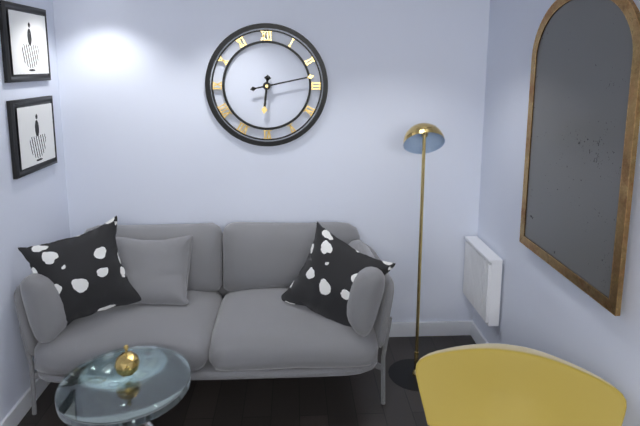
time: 6:13
